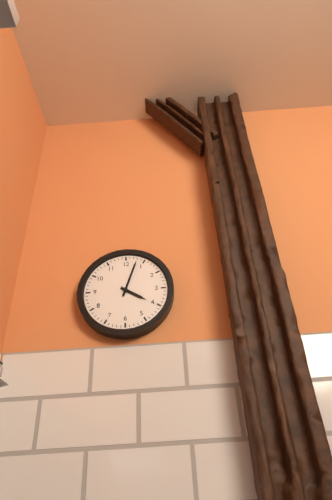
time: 4:03
